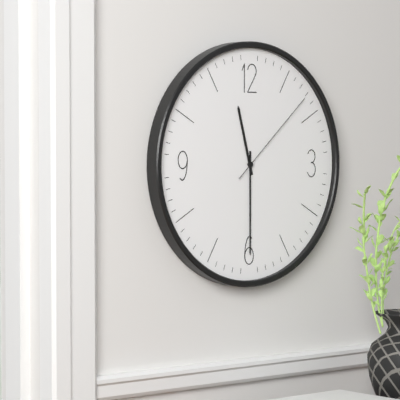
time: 11:30:08
